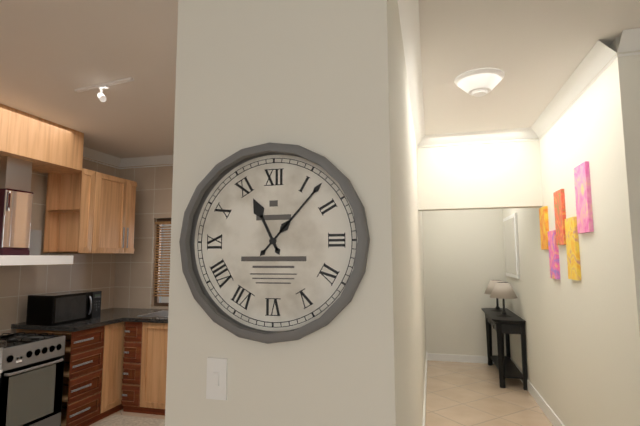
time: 11:07
